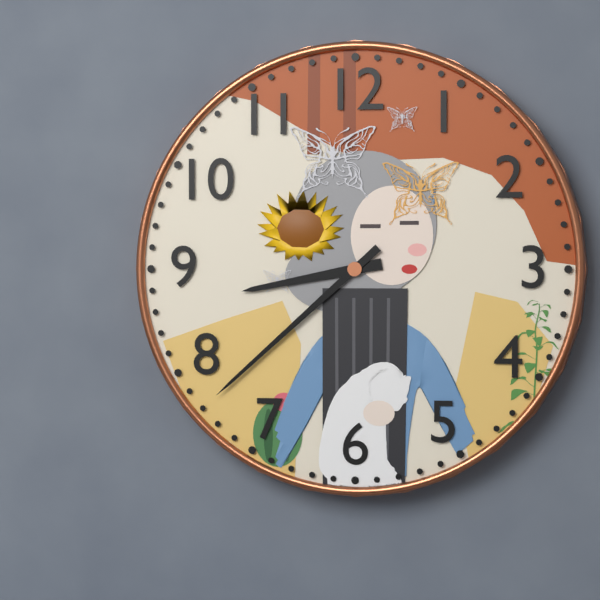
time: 8:38
